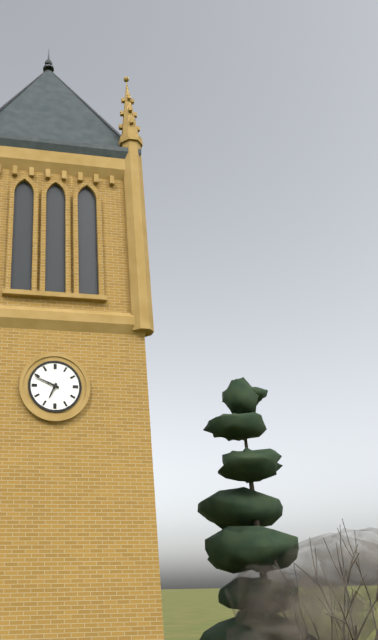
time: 6:49
